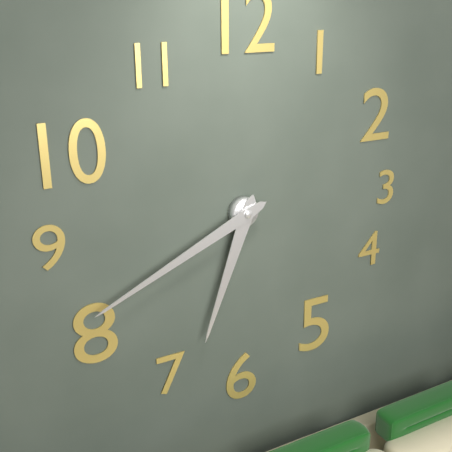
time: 6:41
